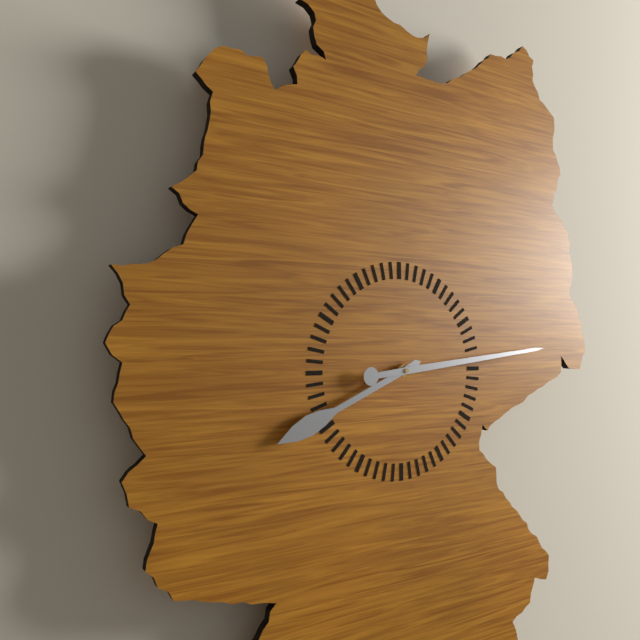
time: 8:14
